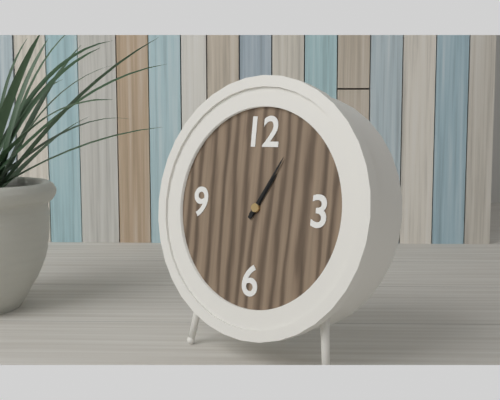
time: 1:05
